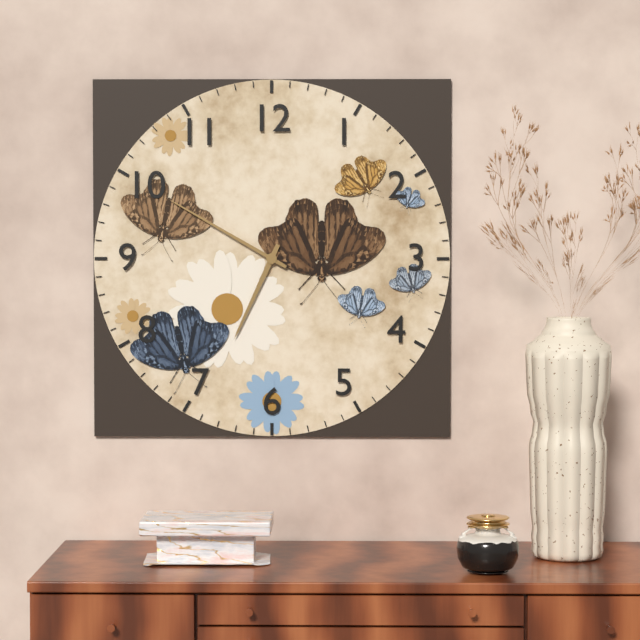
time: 6:50
